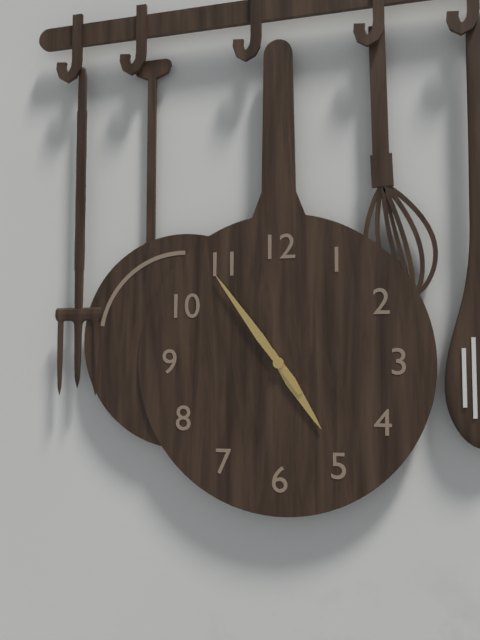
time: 4:54
